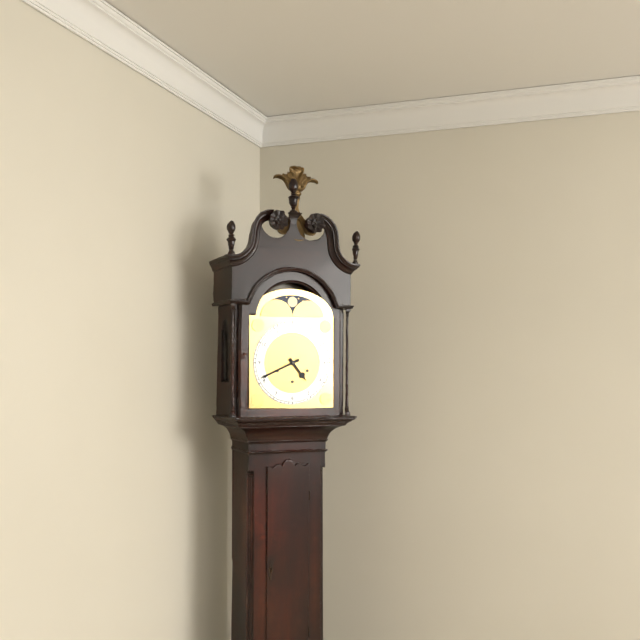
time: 4:41
